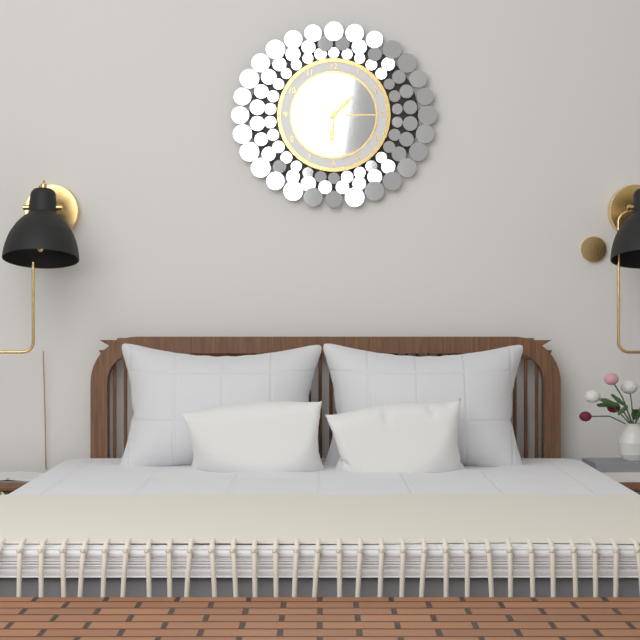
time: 1:31
